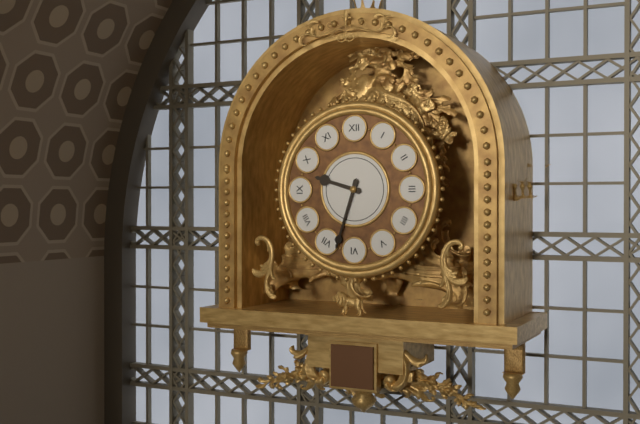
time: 9:33
